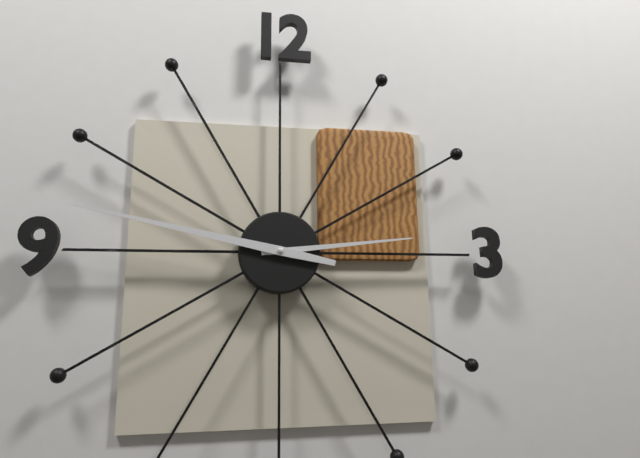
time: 2:47
